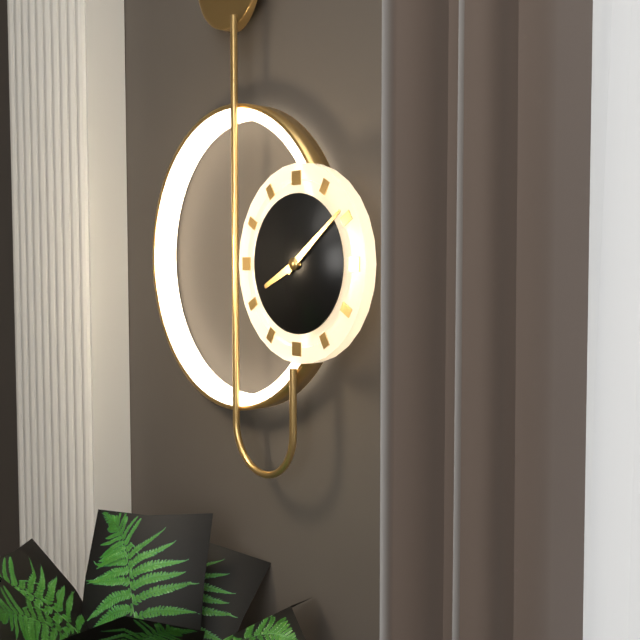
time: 8:09
